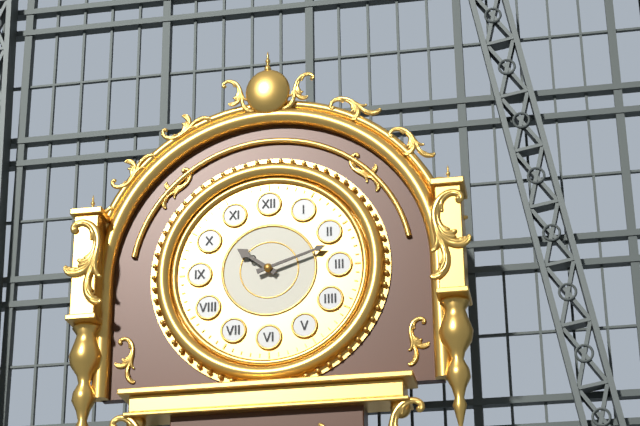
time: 10:12
